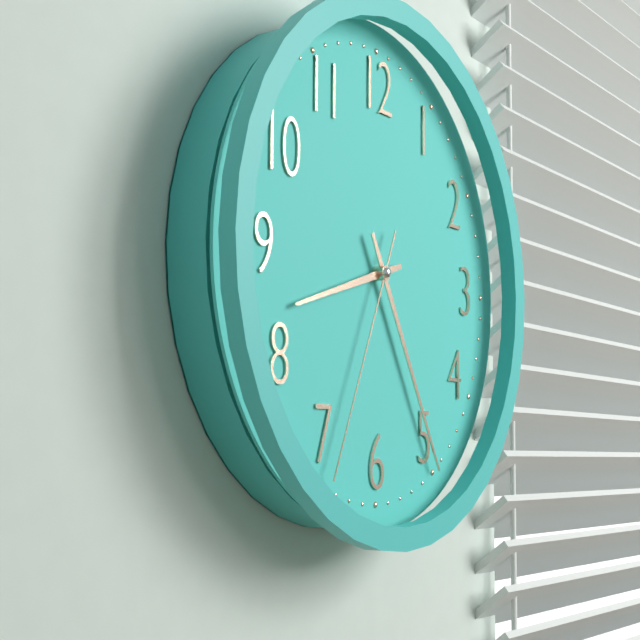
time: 8:25:34
